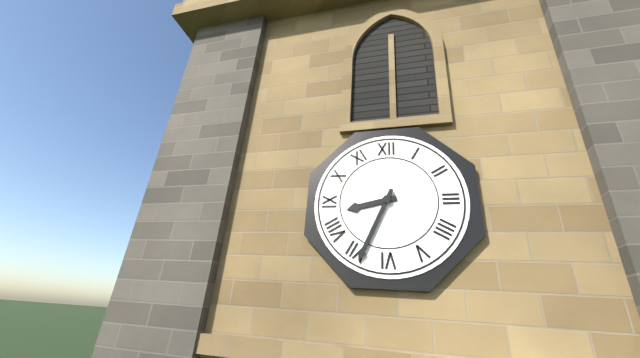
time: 8:34
